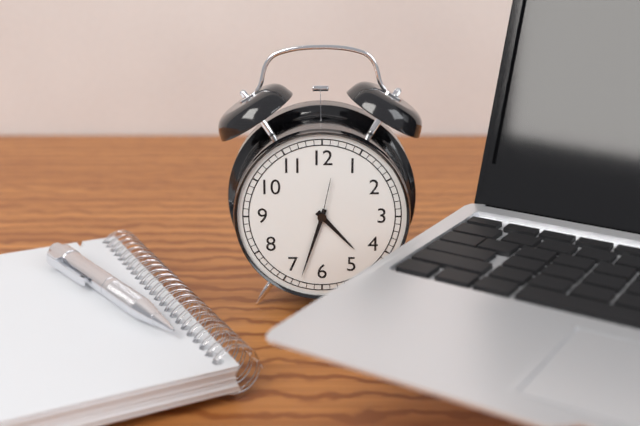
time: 4:33:02
